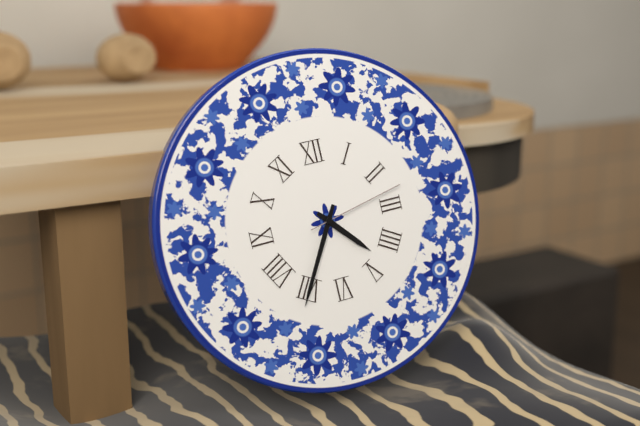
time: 4:35:13
